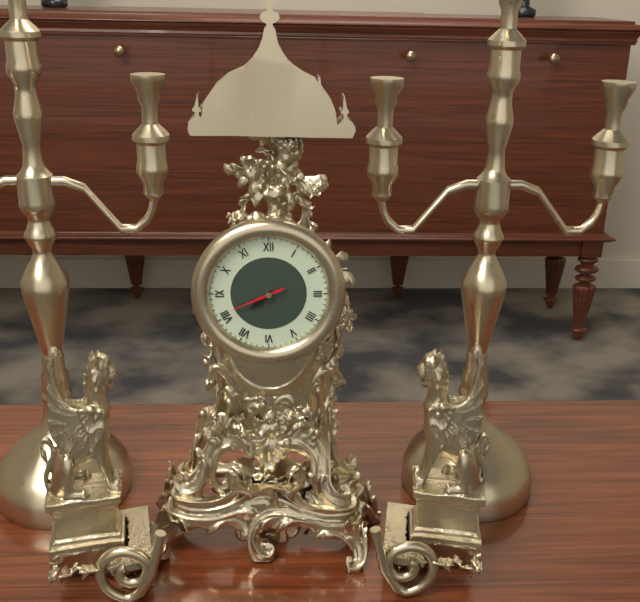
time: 7:41
